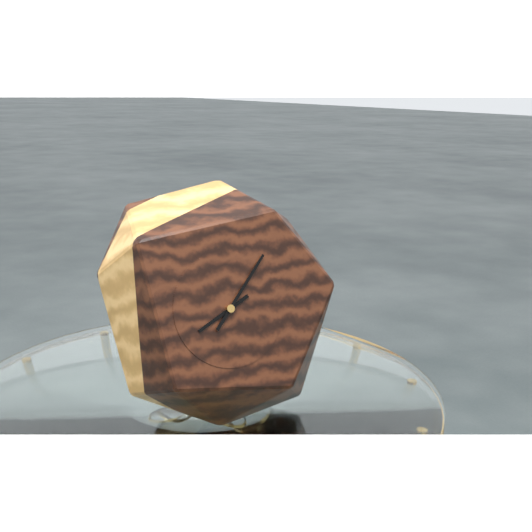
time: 8:07
